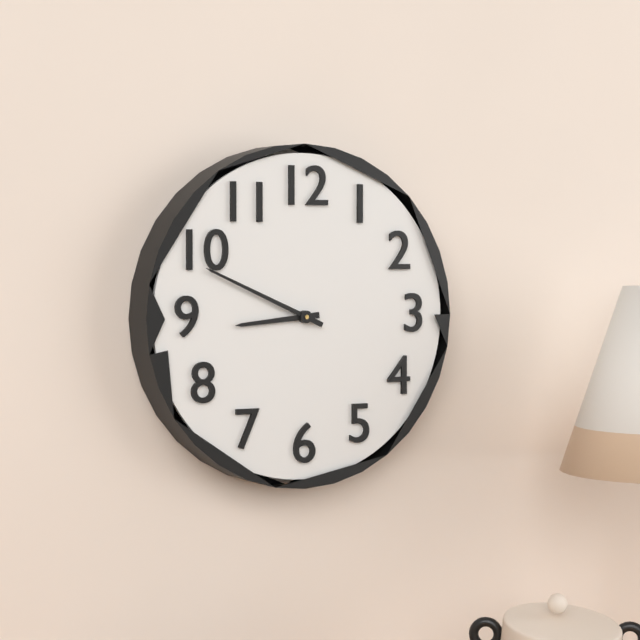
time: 8:49
